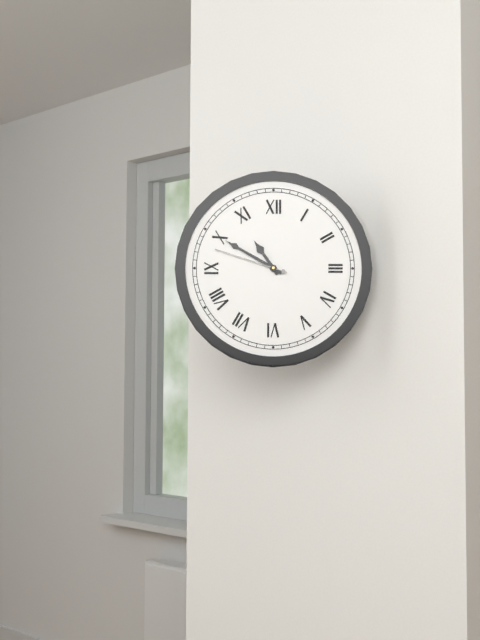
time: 10:50:48
